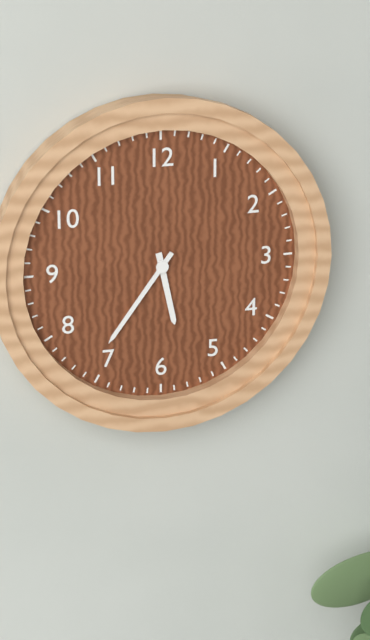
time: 5:36
